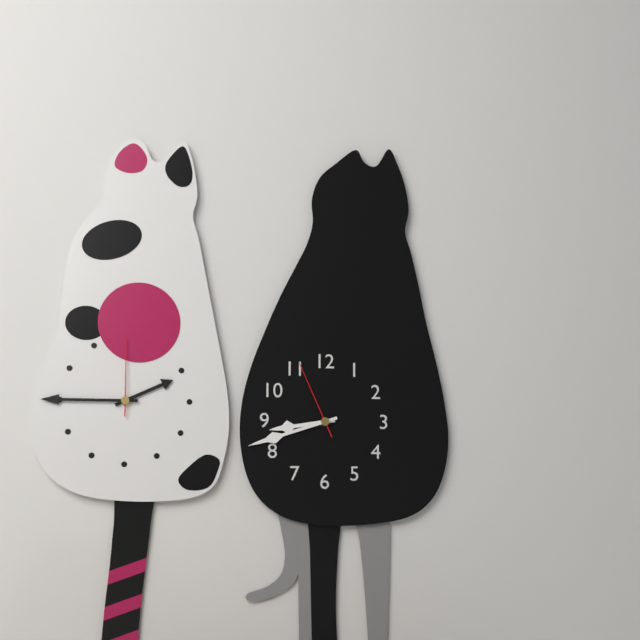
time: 8:42:56
